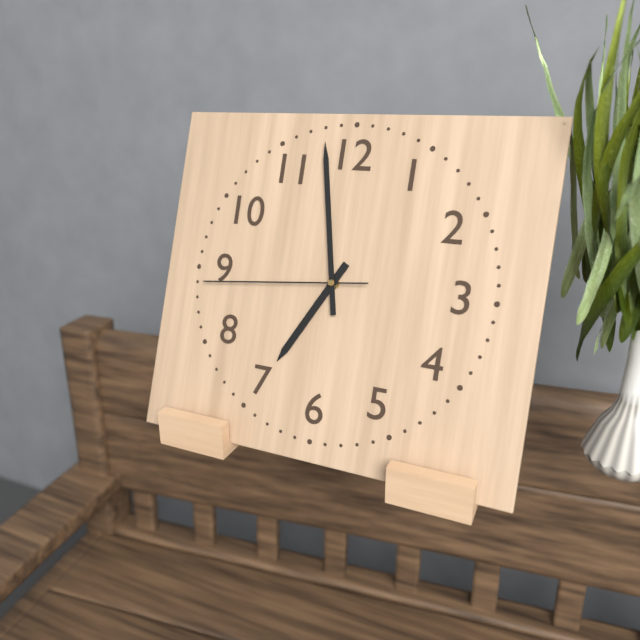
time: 6:58:44
